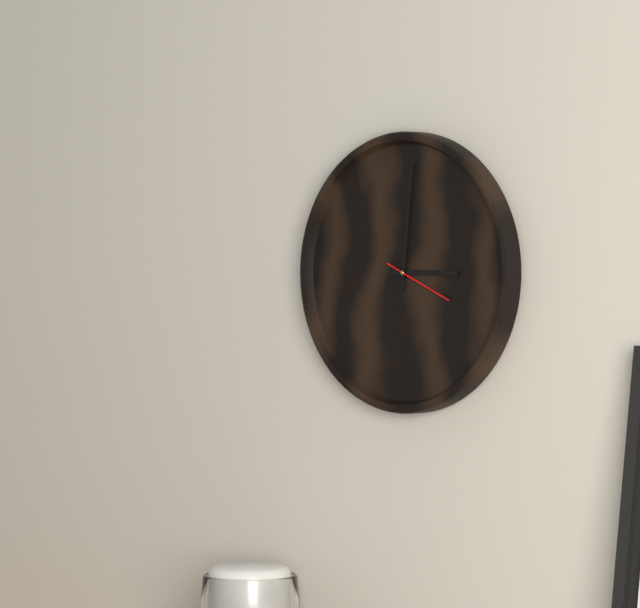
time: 3:01:19
